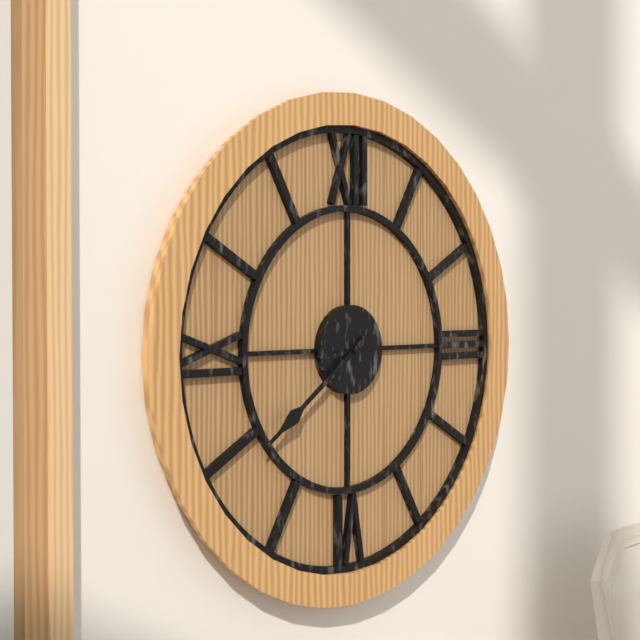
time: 8:39
